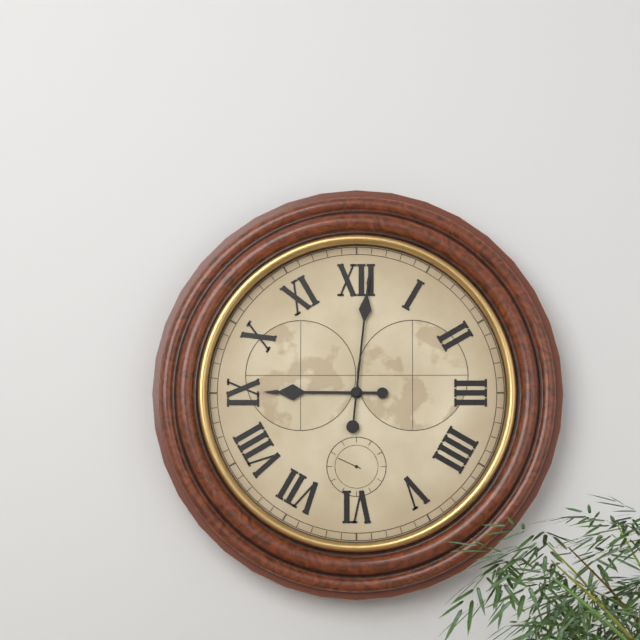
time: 9:01
